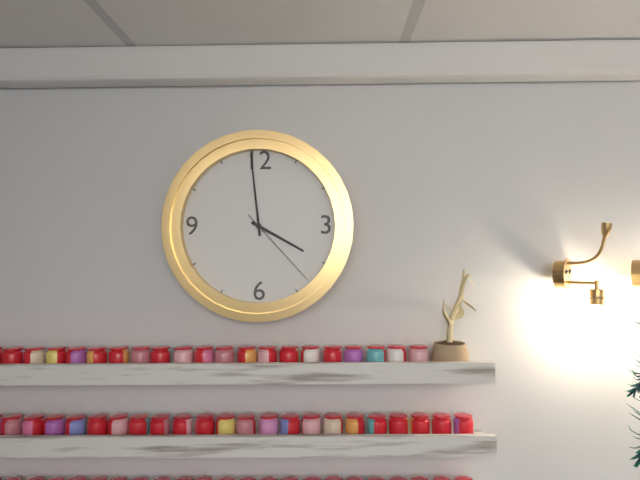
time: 3:59:23
